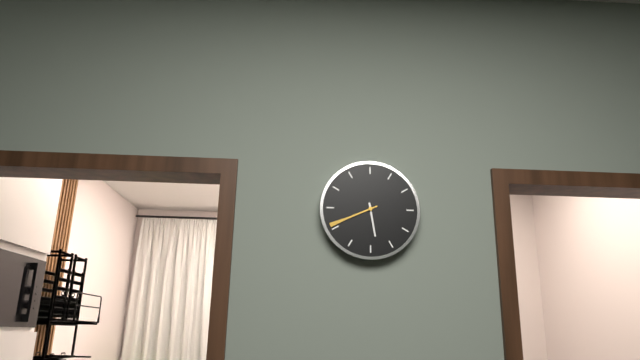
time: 5:41
